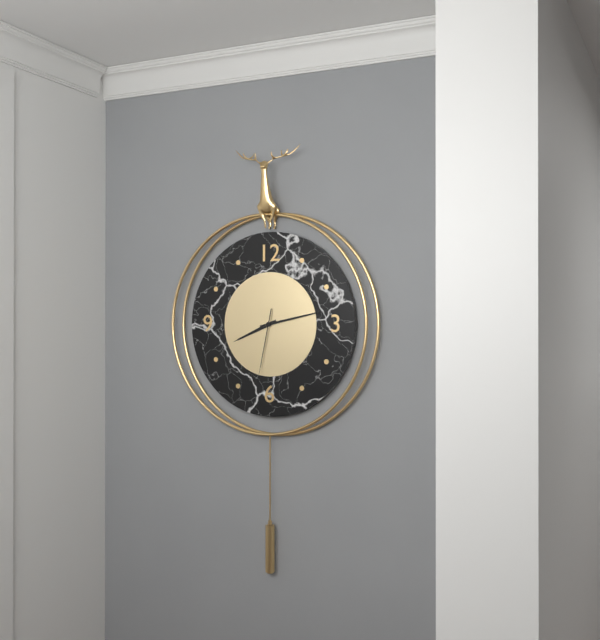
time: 8:13:32
